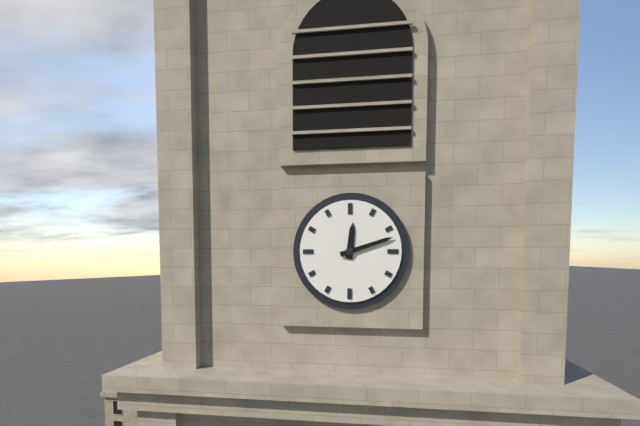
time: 12:12
